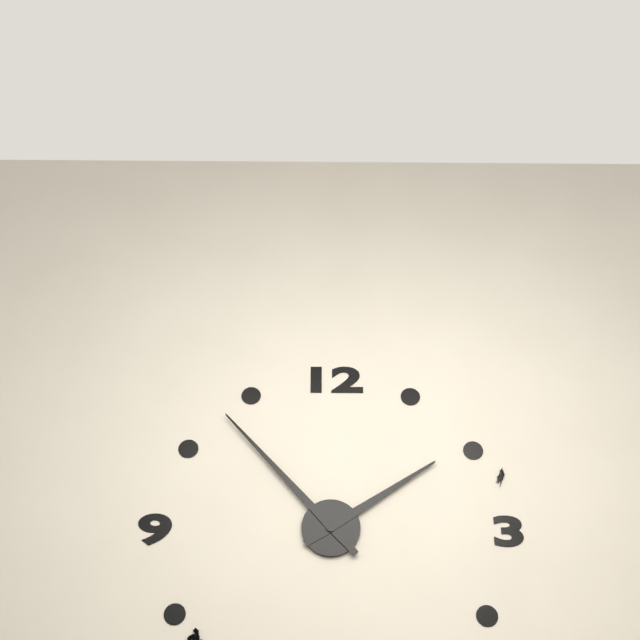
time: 1:53
